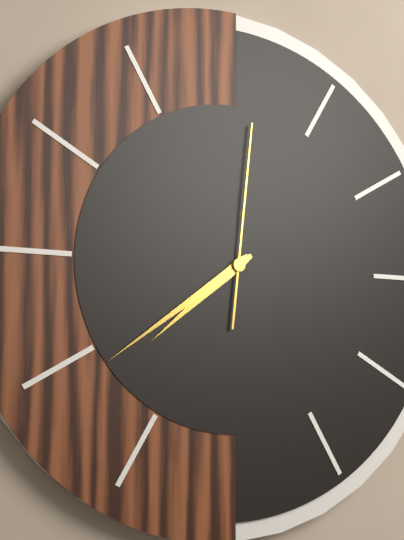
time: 7:39:01
